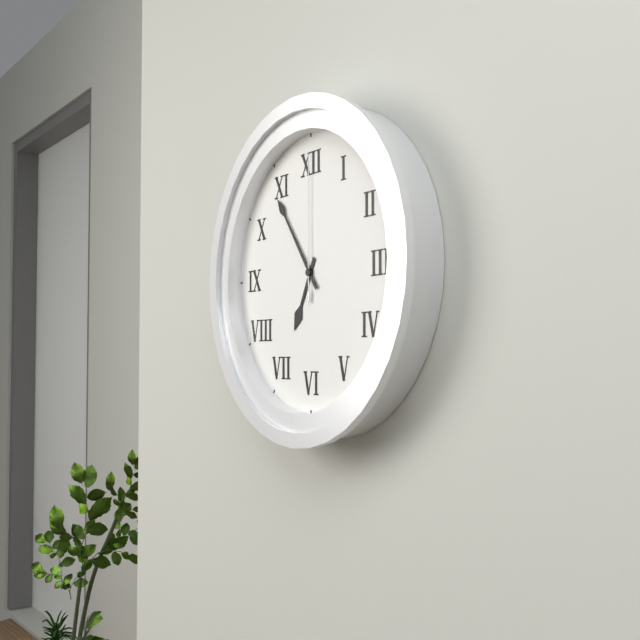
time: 6:54:00
